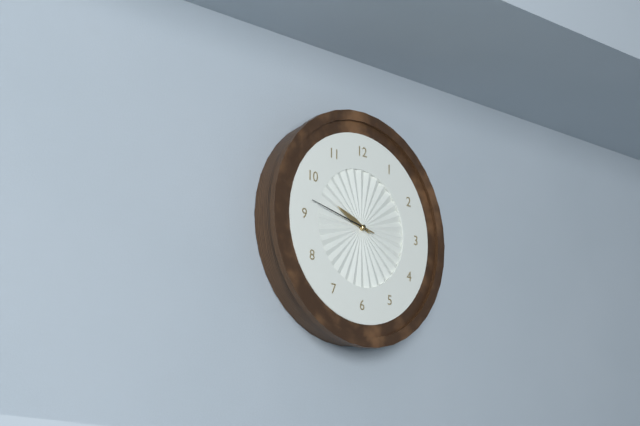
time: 9:47
